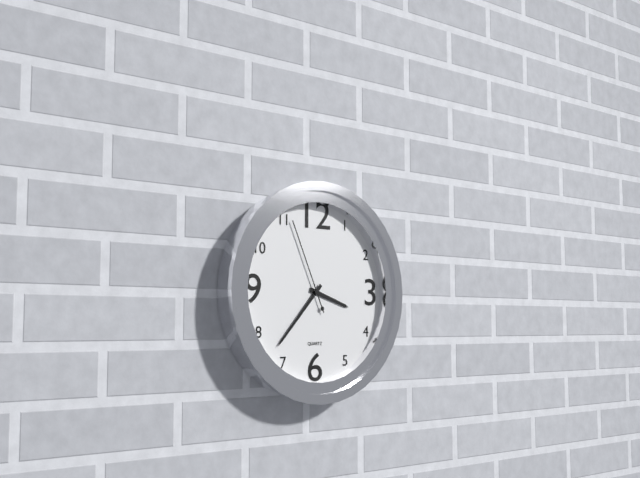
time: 3:37:56
